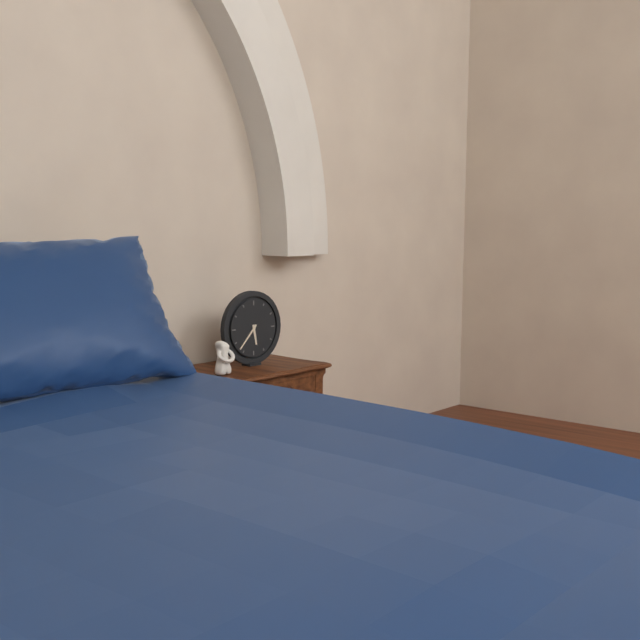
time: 5:37
